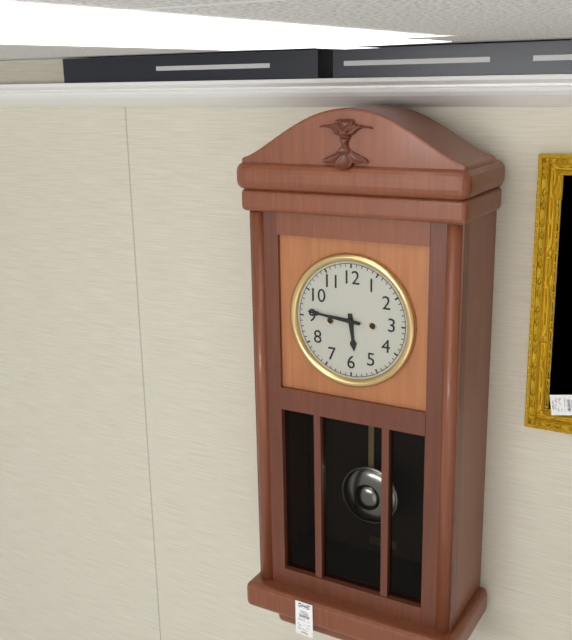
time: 5:46
